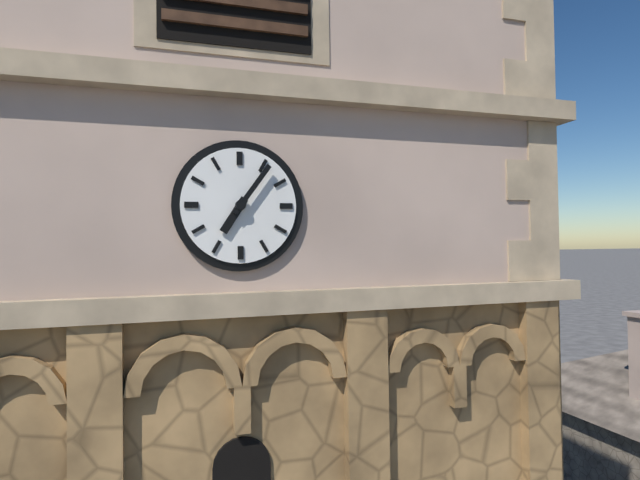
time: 7:06
